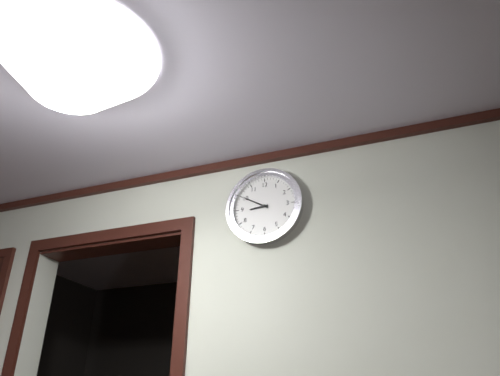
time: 8:50
